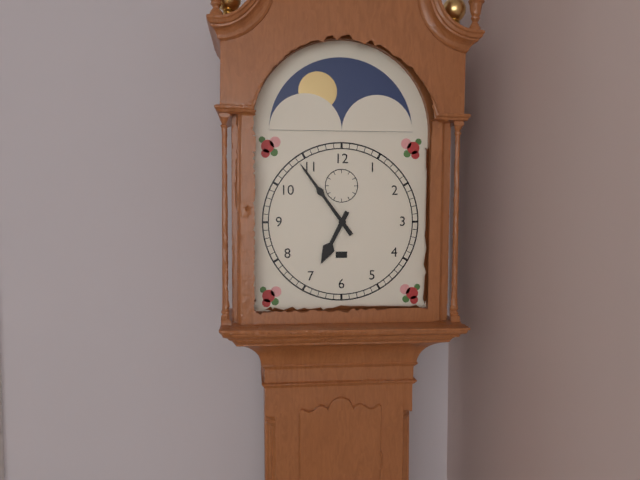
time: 6:54
